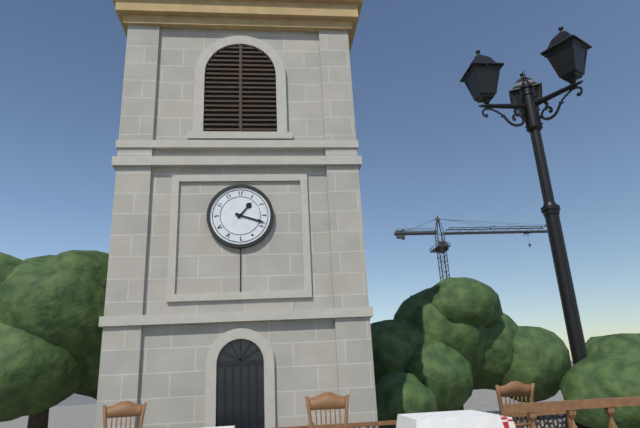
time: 1:18
